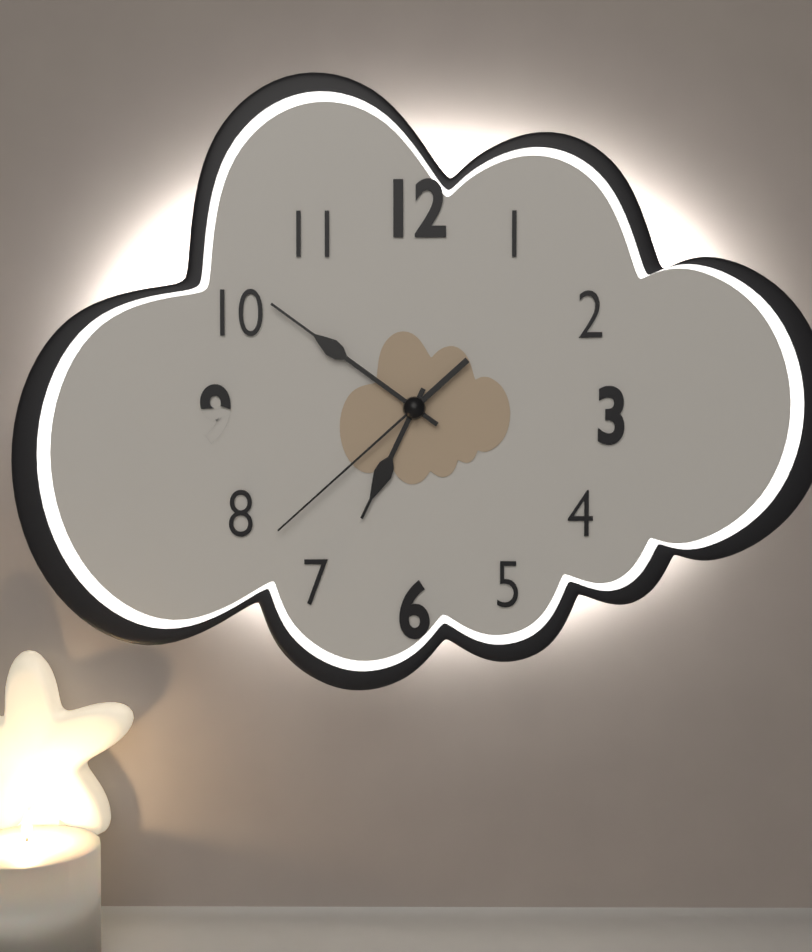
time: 6:51:38
